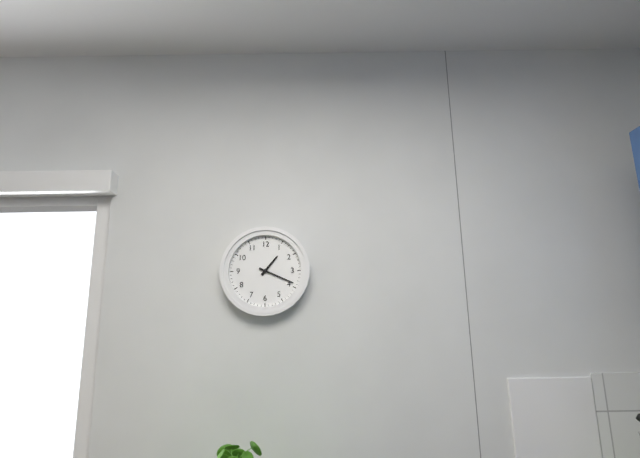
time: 1:19
